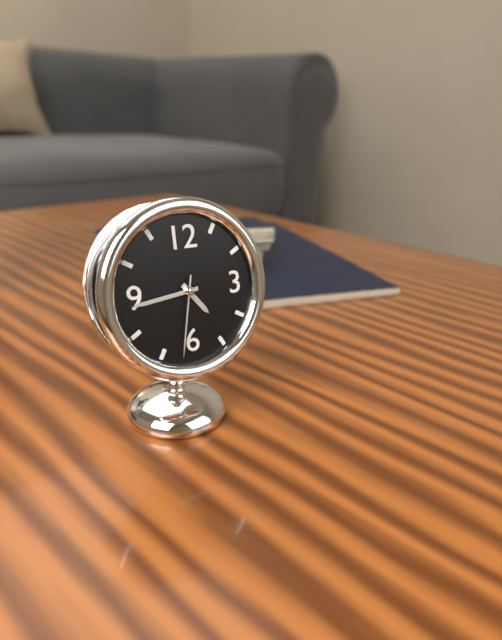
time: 4:44:32
